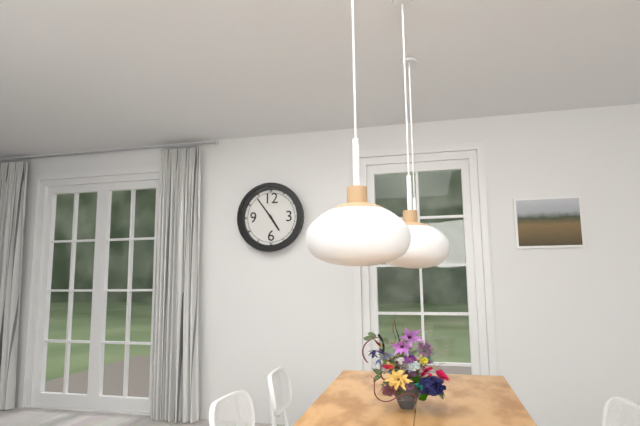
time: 4:54
